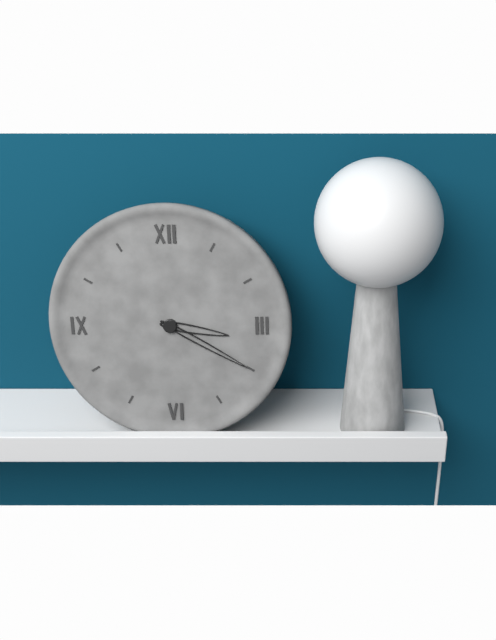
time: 3:20
